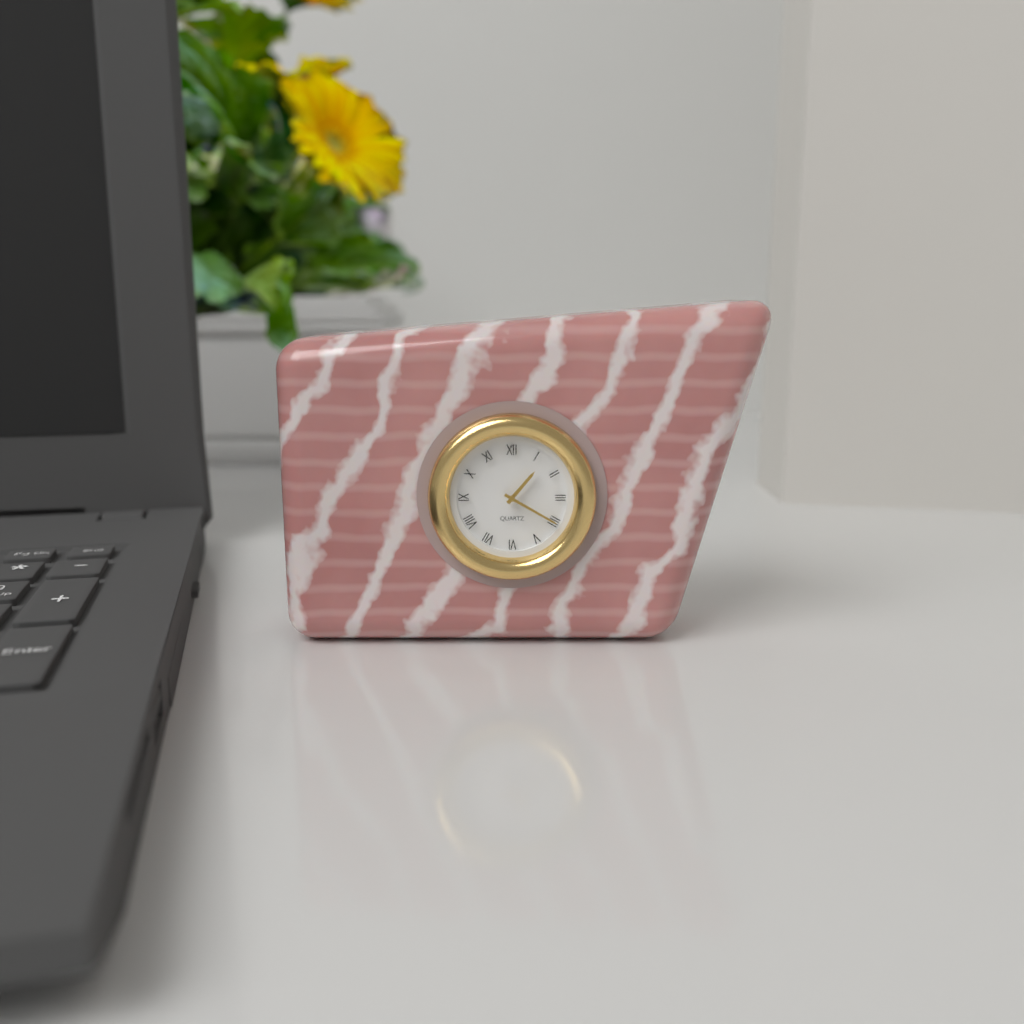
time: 1:20
